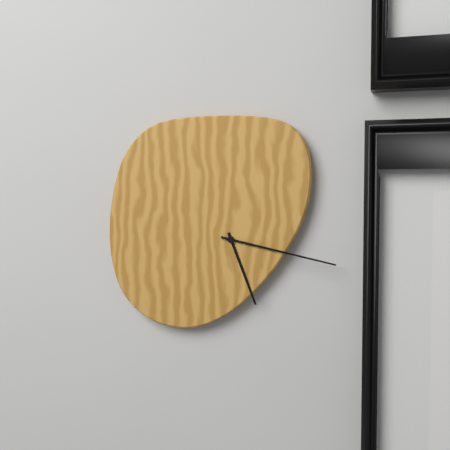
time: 5:17
